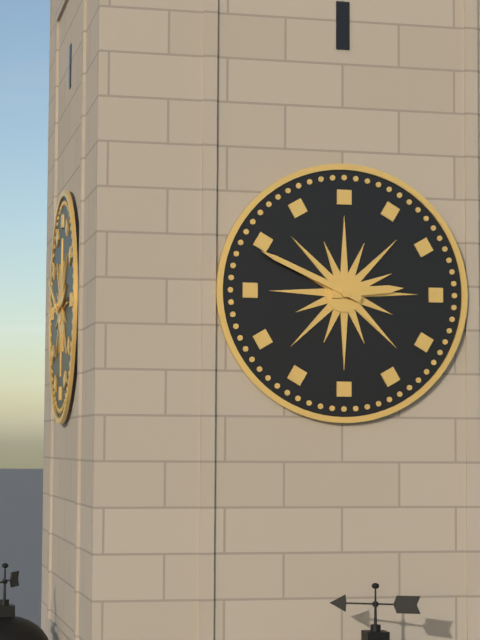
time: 2:49
